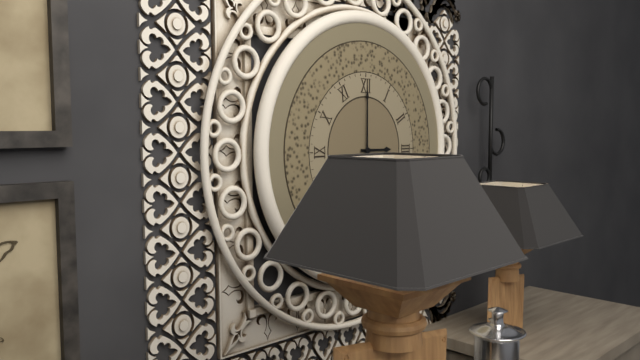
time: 3:00
